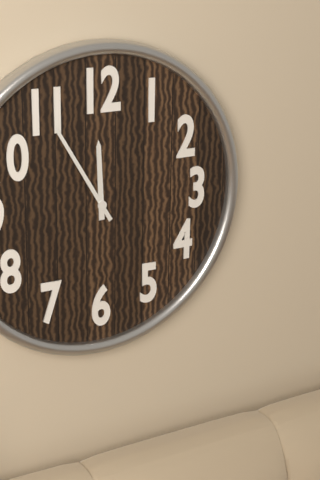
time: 11:55
